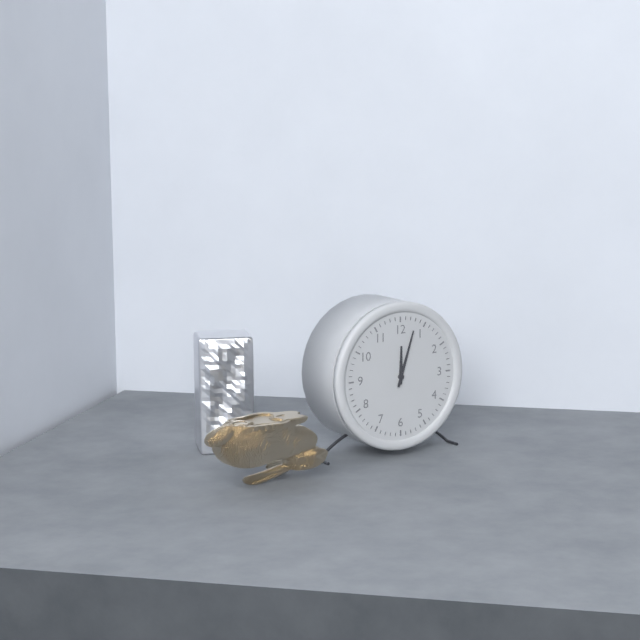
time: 12:03
